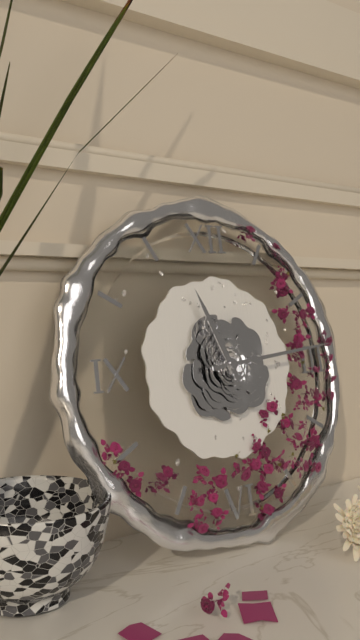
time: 11:14
